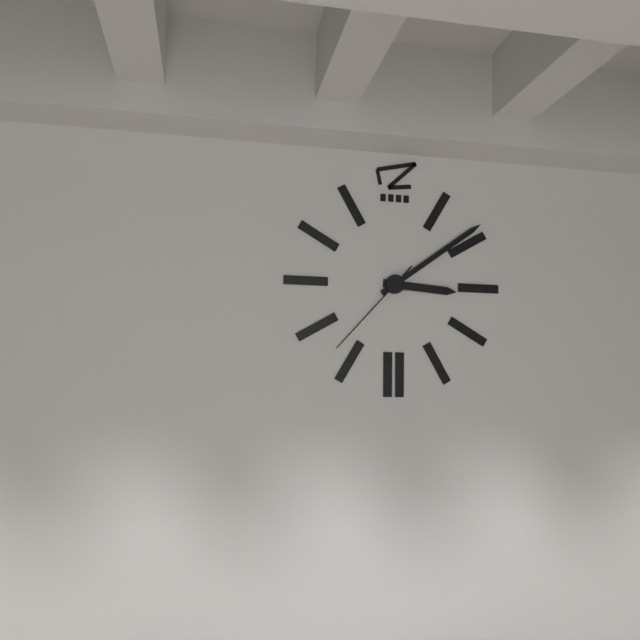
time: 3:09:37
